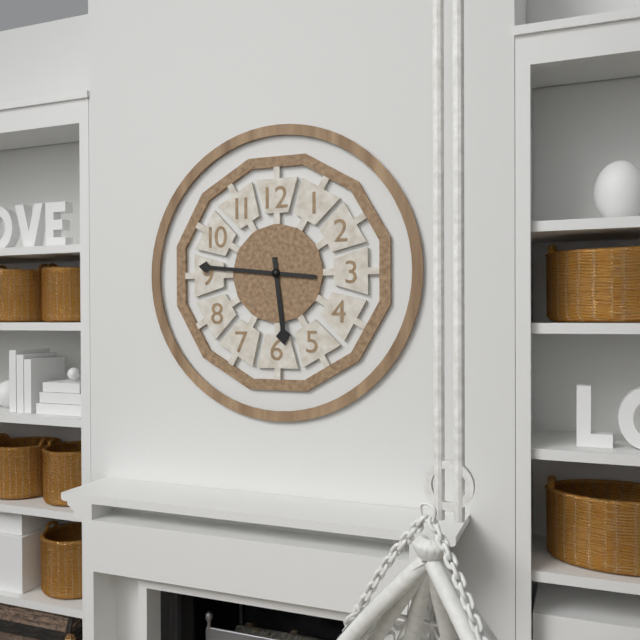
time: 5:46
